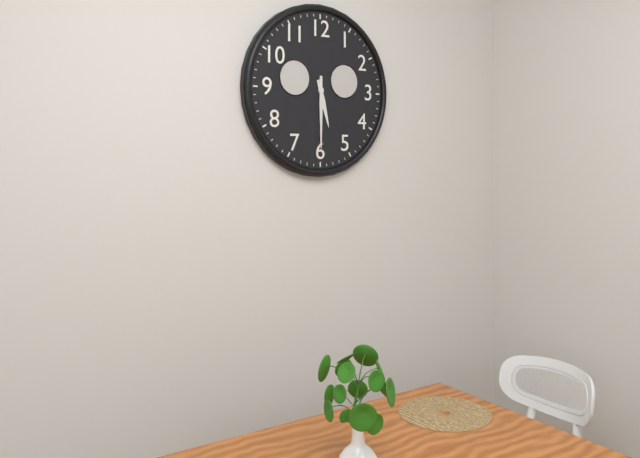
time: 5:30
